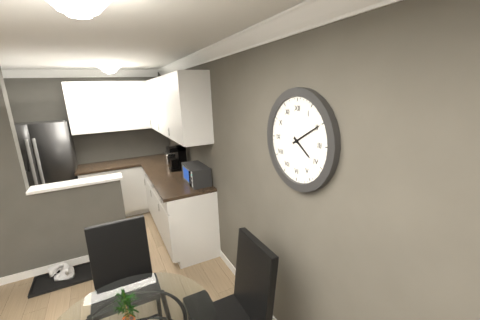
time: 4:10
